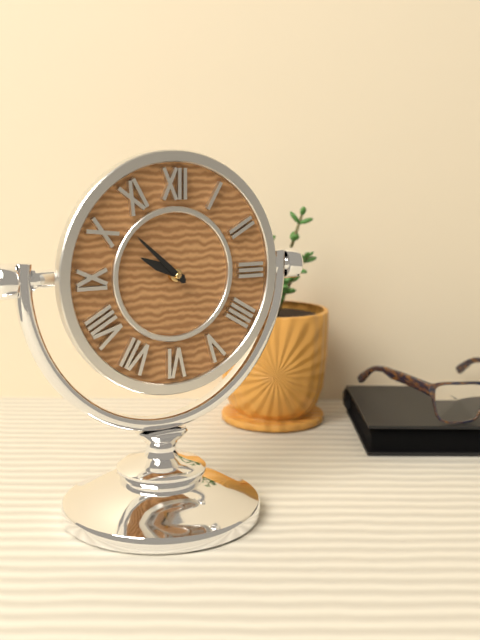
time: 9:52
